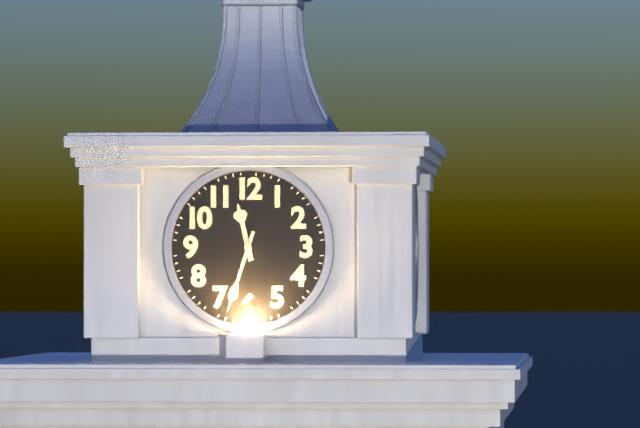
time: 11:33
